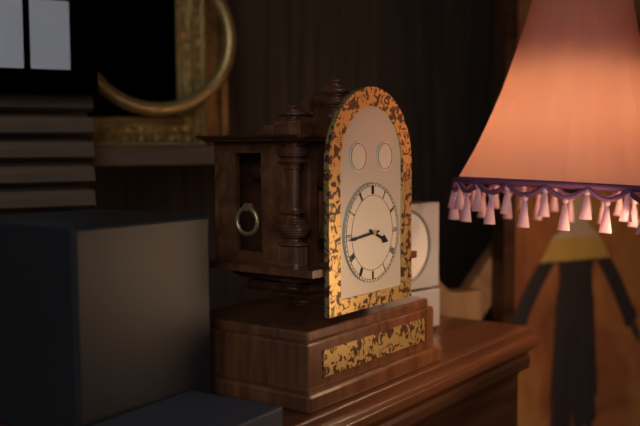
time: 3:44
